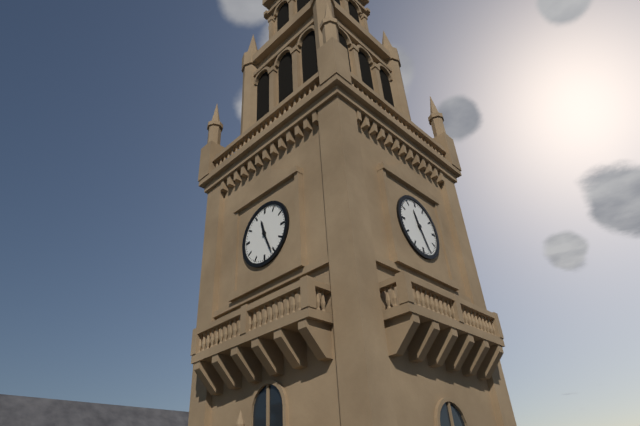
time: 11:26
